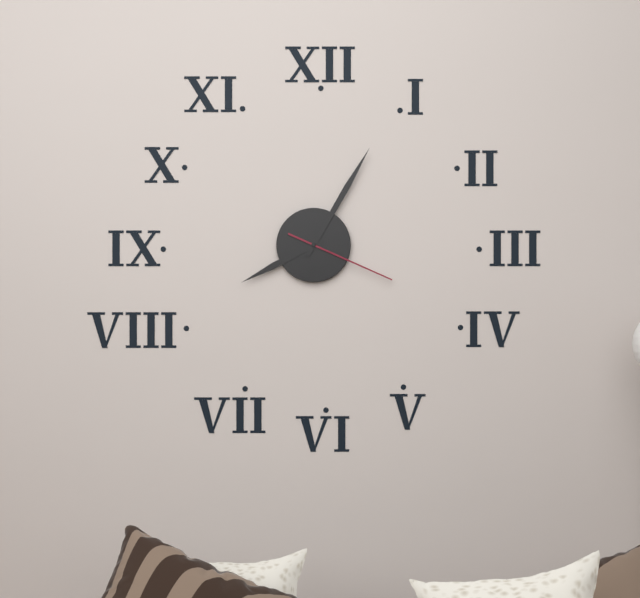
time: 8:05:19
